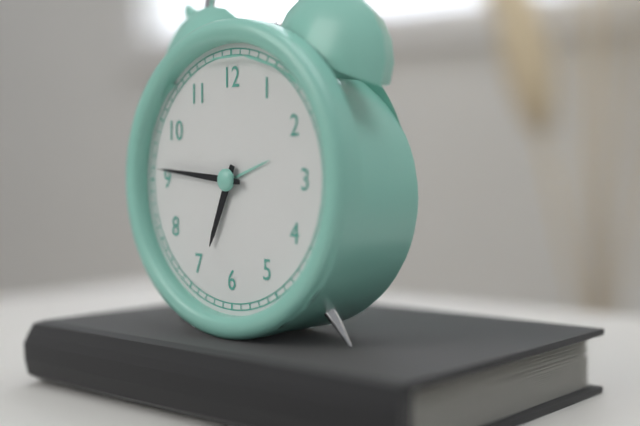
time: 6:46
